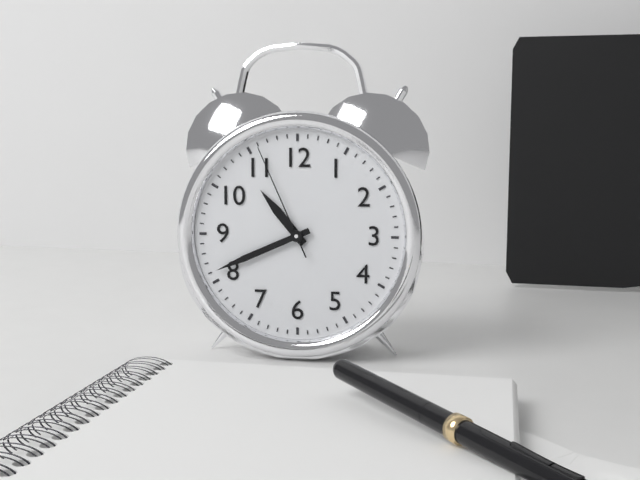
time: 10:41:56
